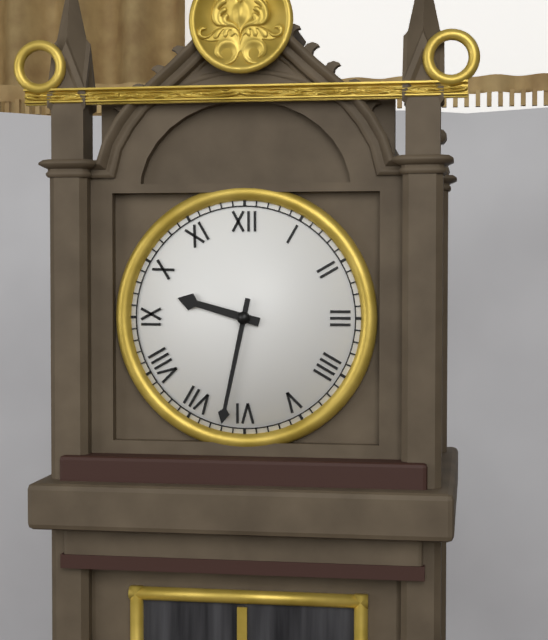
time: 9:32
